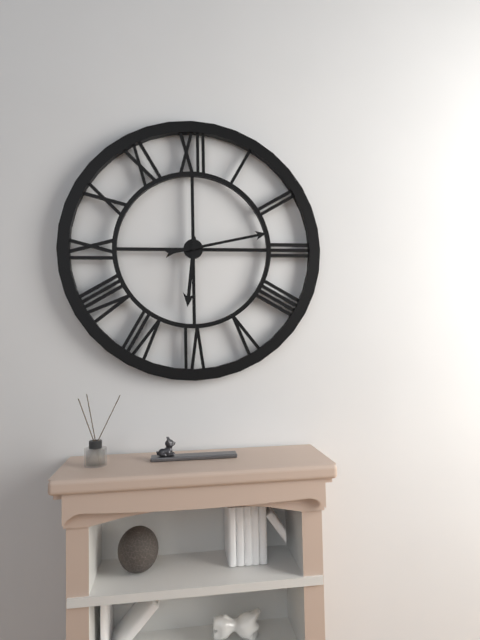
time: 6:13
